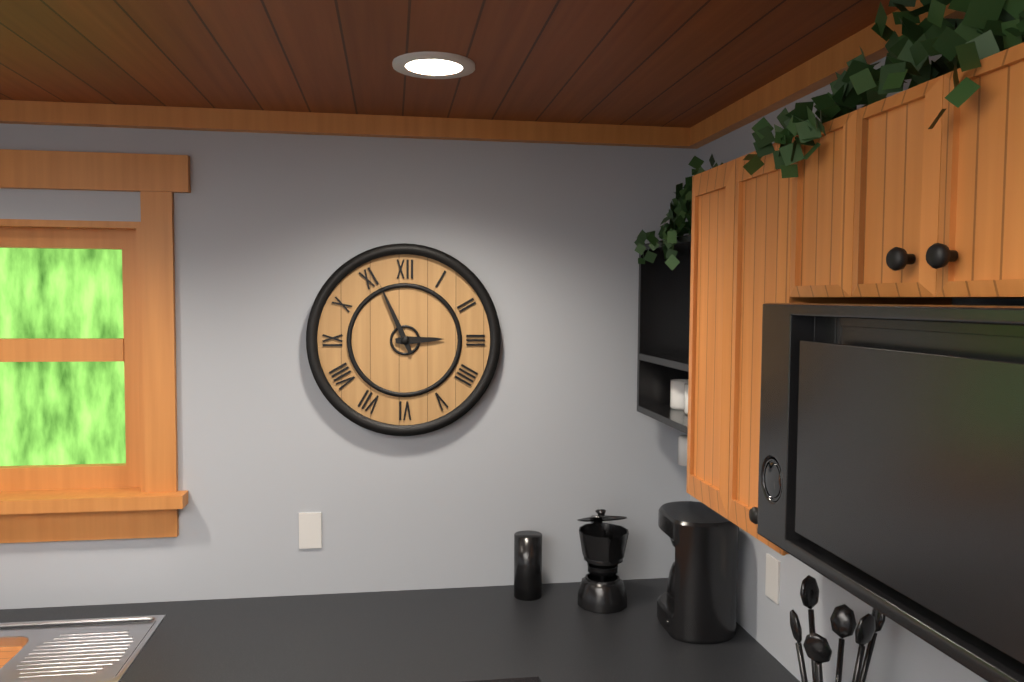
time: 2:56
